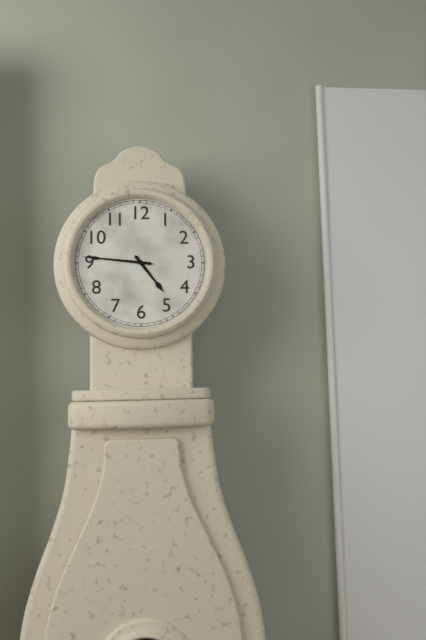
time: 4:46
